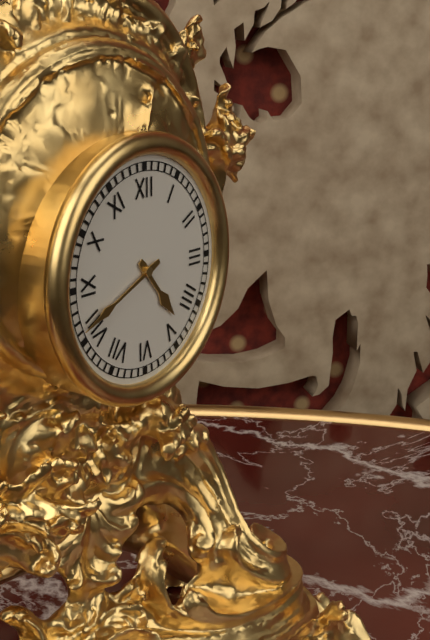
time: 4:41
